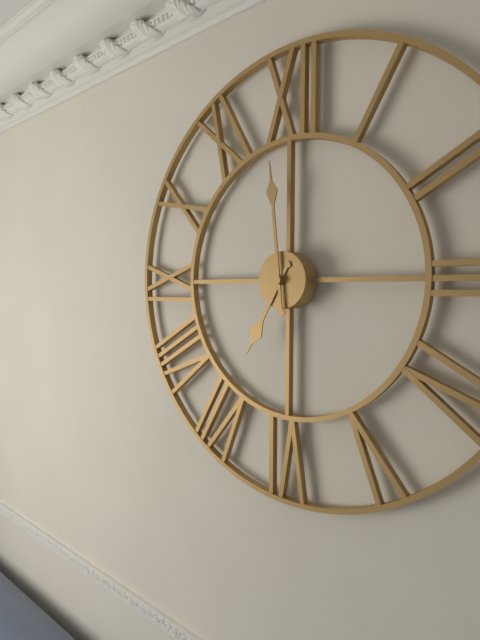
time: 6:59
